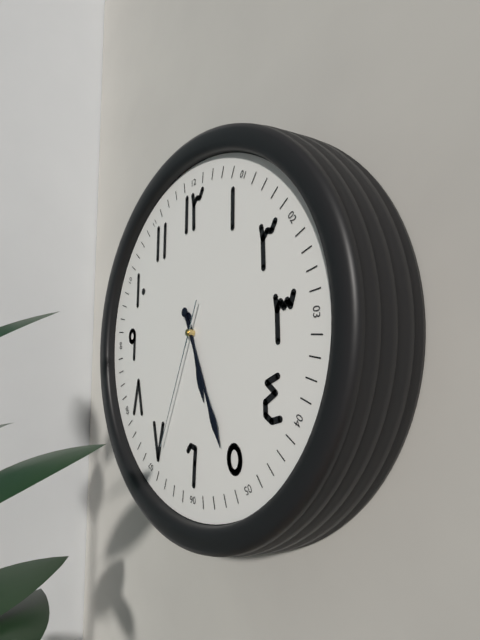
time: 5:26:34
